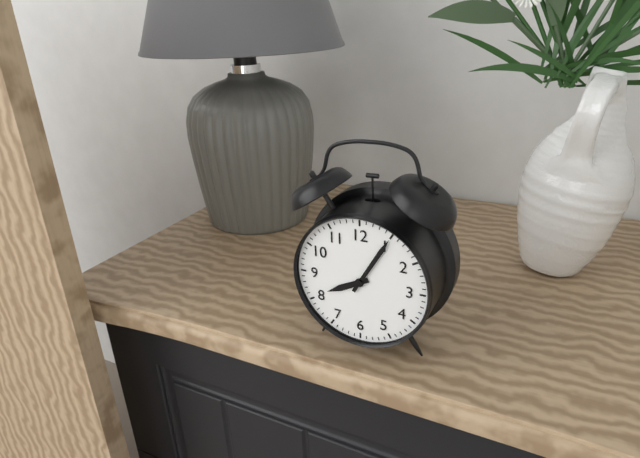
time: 8:05
